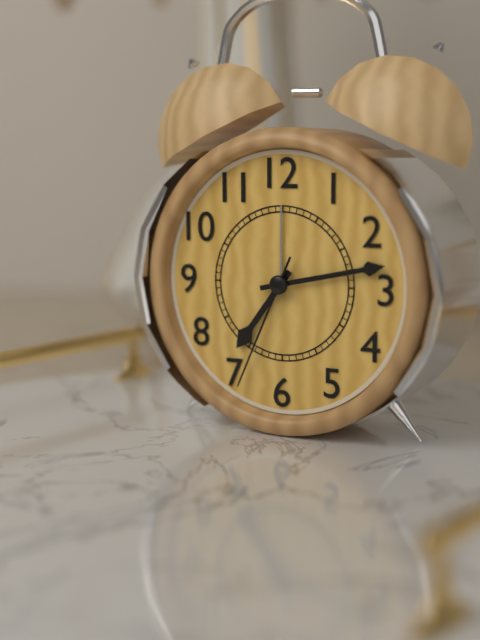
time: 7:13:34
